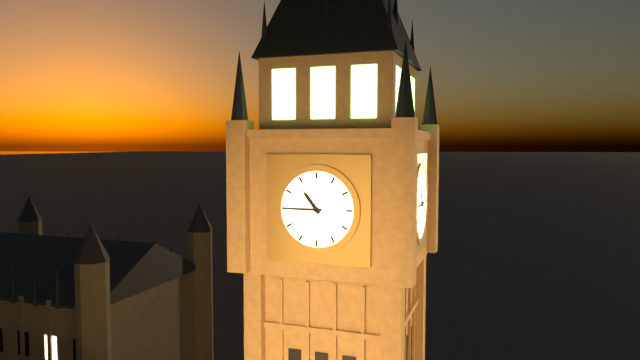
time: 10:45
